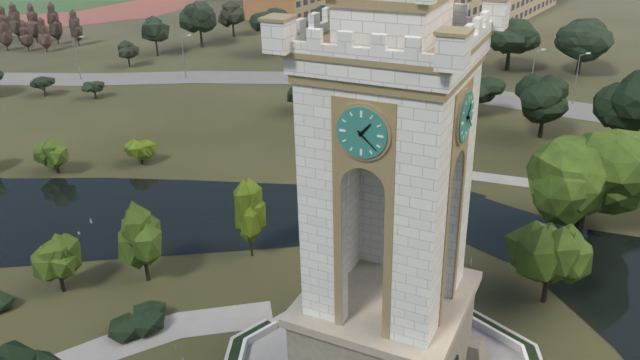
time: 1:22
